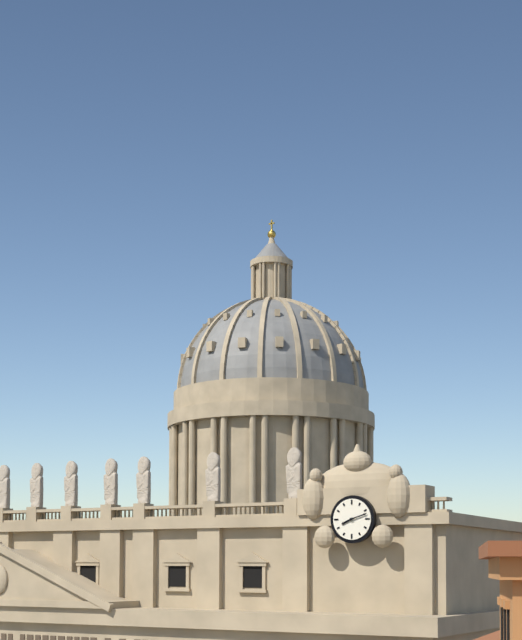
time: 8:12
